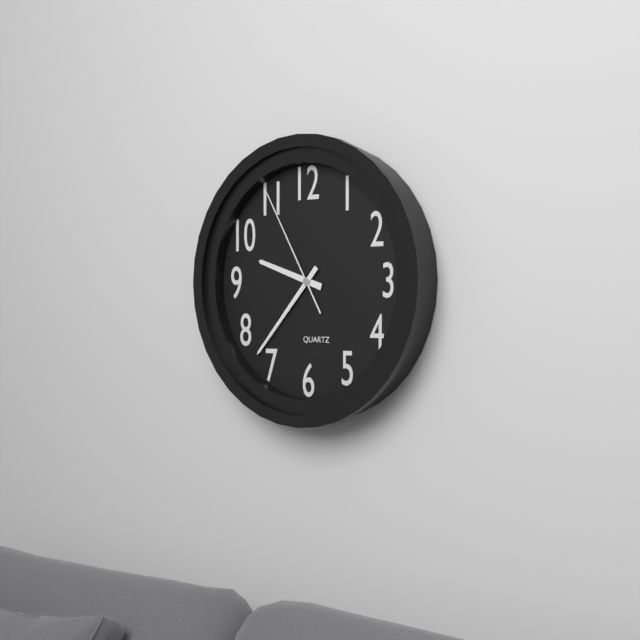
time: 9:37:55
